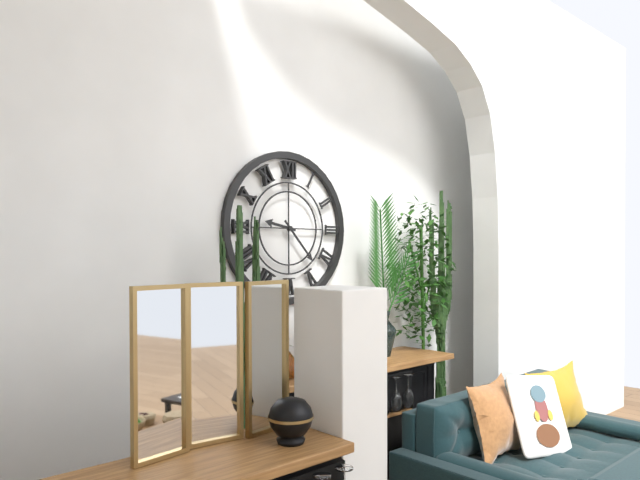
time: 9:23
